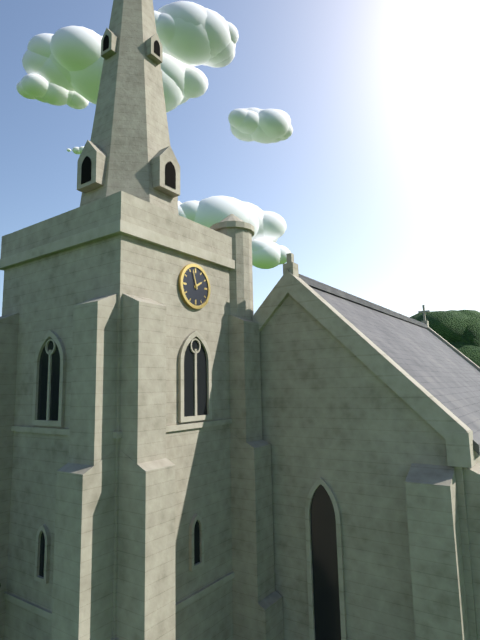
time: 1:57
